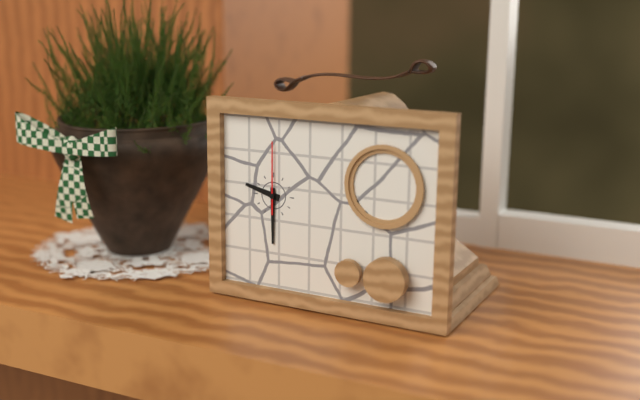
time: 9:30:00
